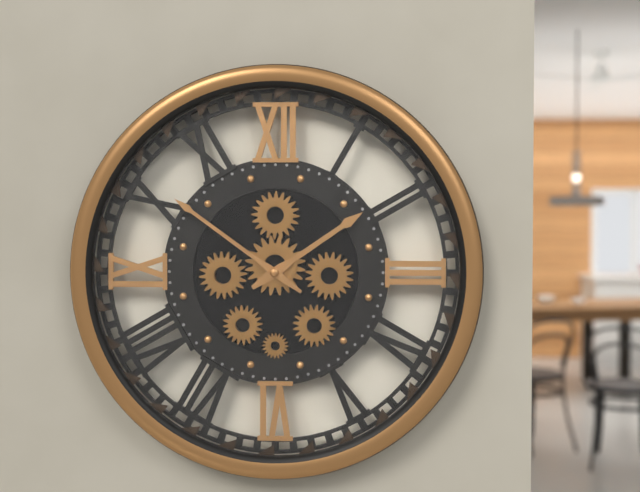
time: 1:51
